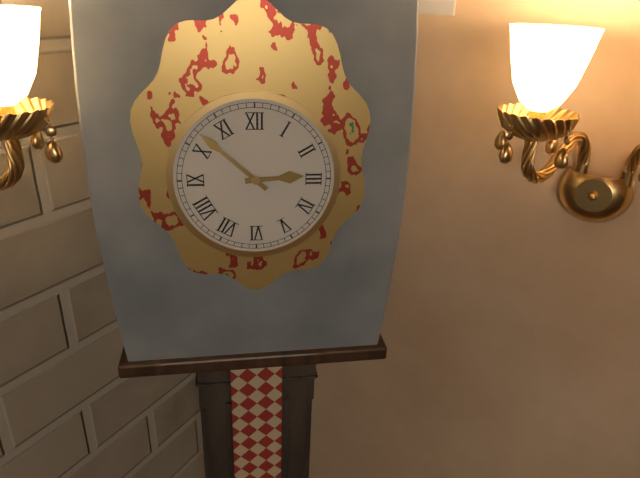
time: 2:52
